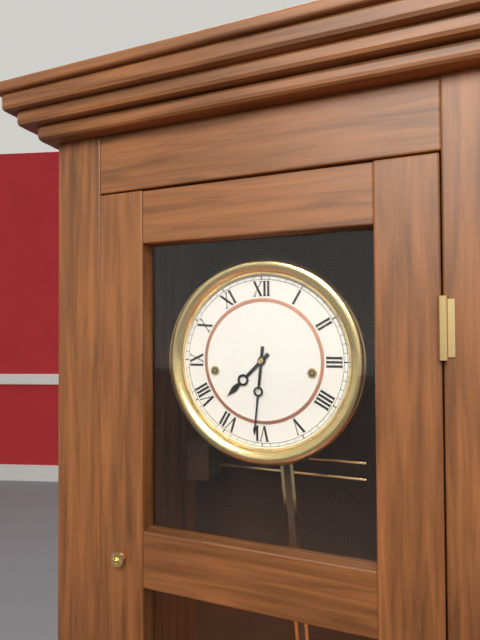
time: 7:31
